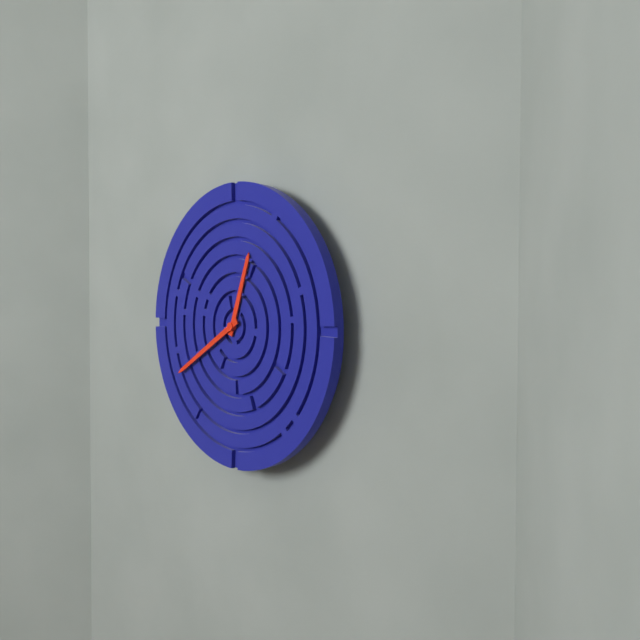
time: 12:40
